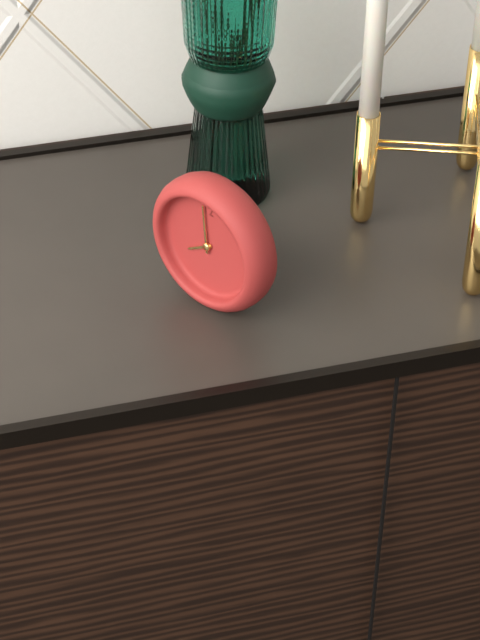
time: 7:59
